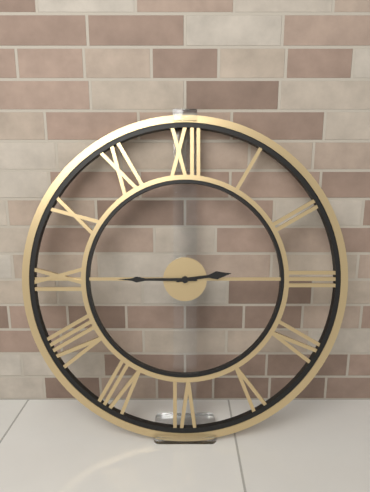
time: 2:45
